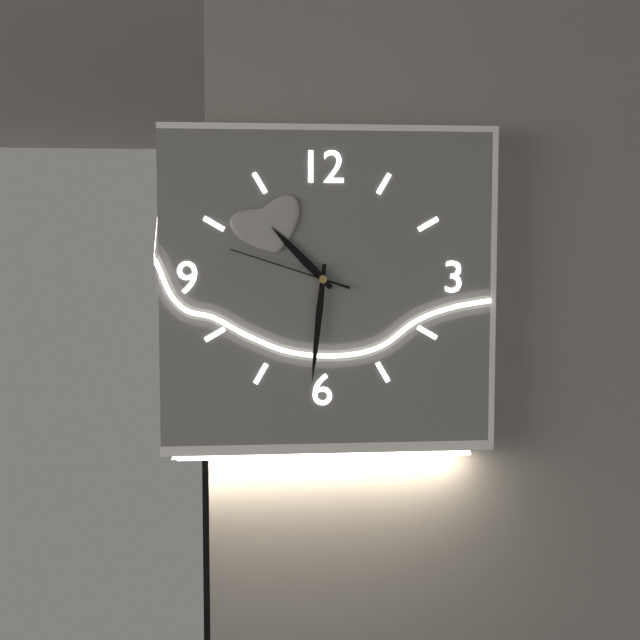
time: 10:31:48
